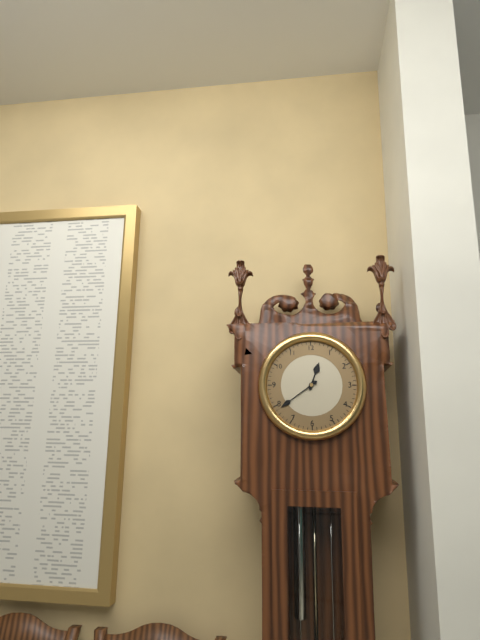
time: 12:39
